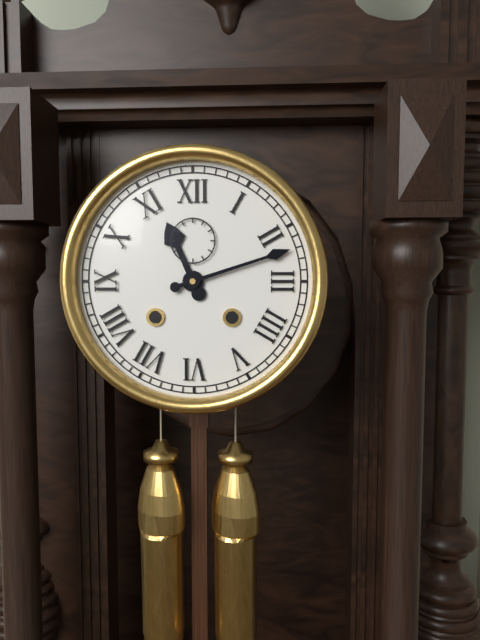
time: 11:12
